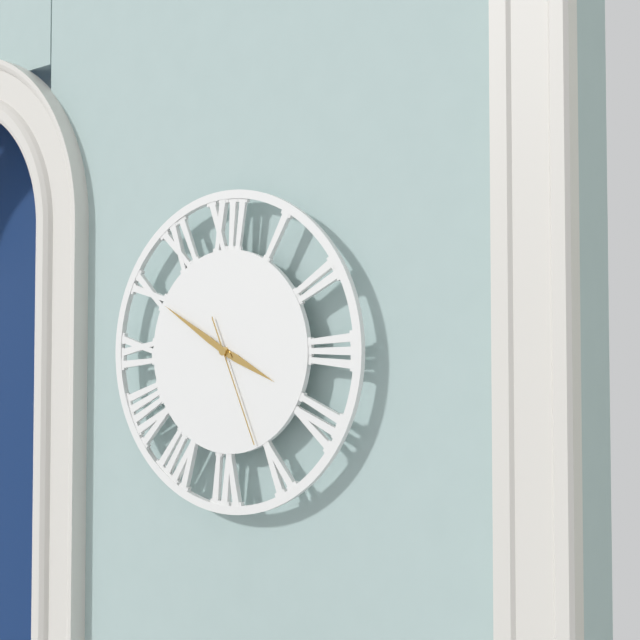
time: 3:50:26
